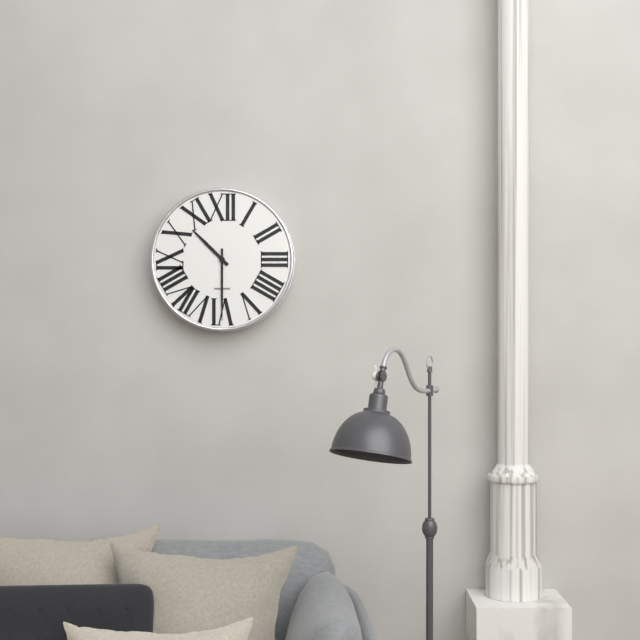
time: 10:30
